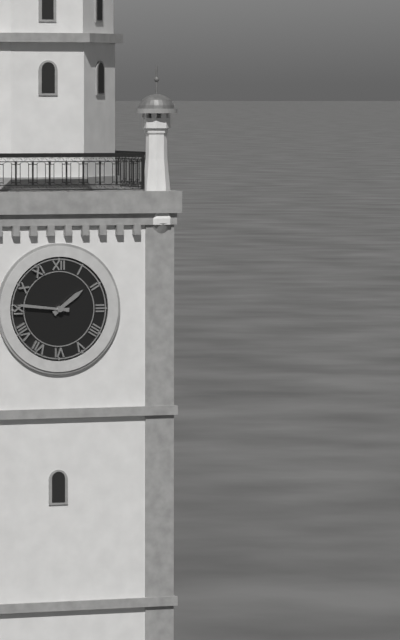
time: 1:46
